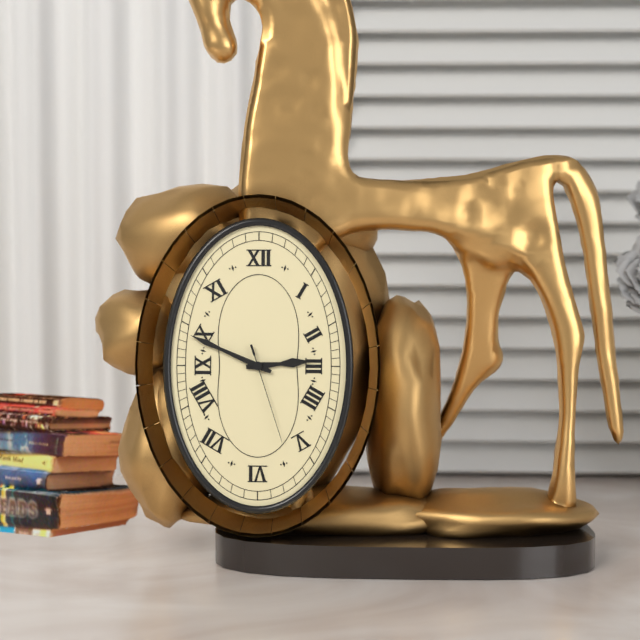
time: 2:49:27
